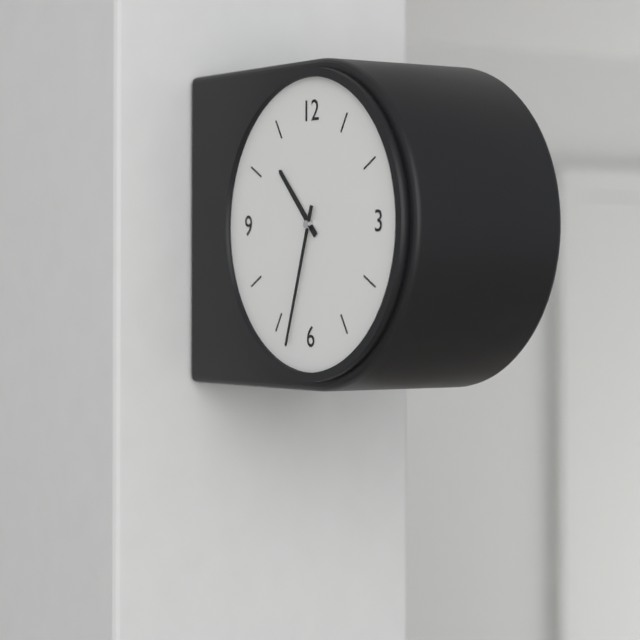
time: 10:33
